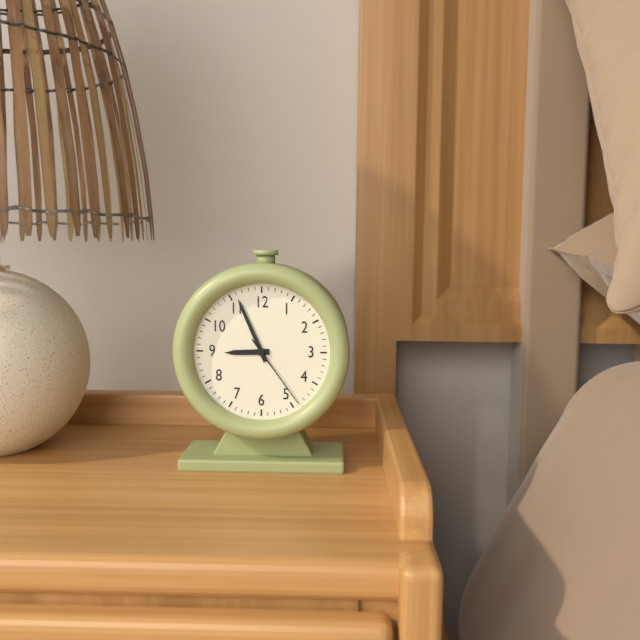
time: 8:56:24
